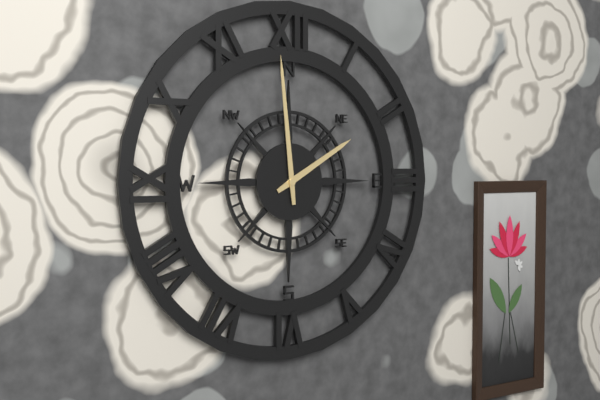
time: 1:59
